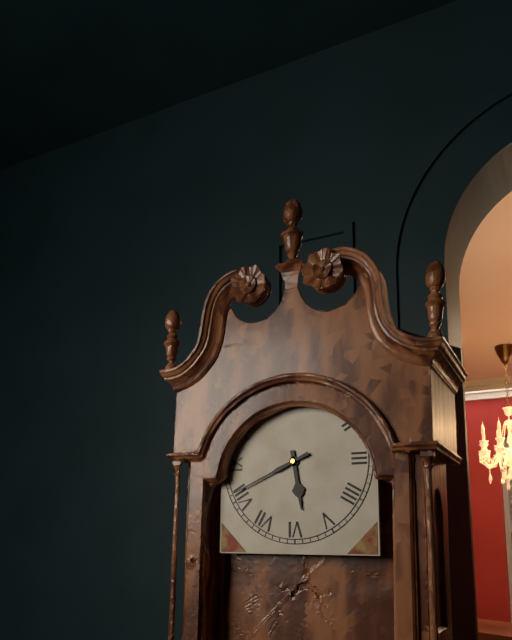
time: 5:41
